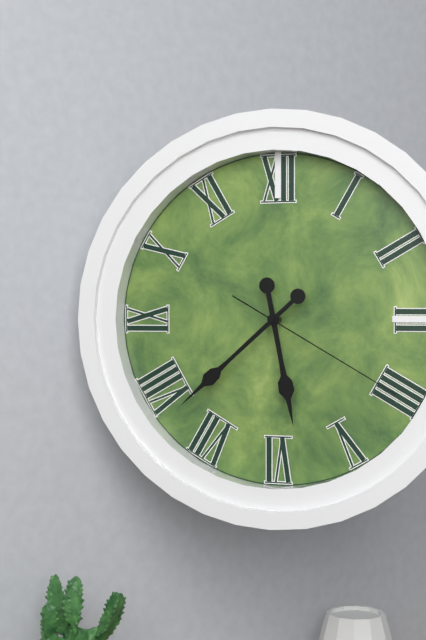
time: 5:38:20
